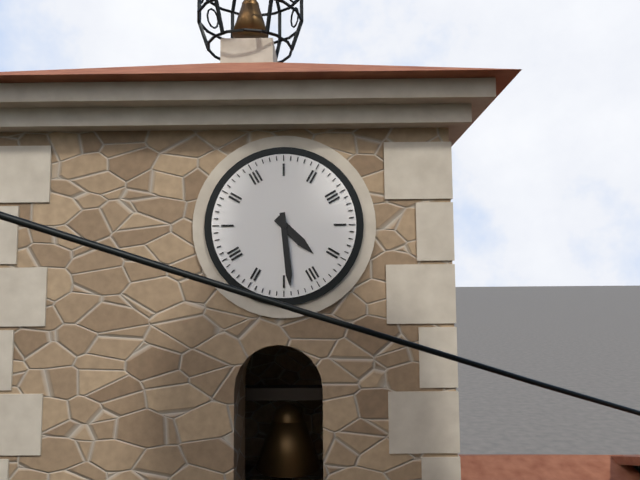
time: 4:29
